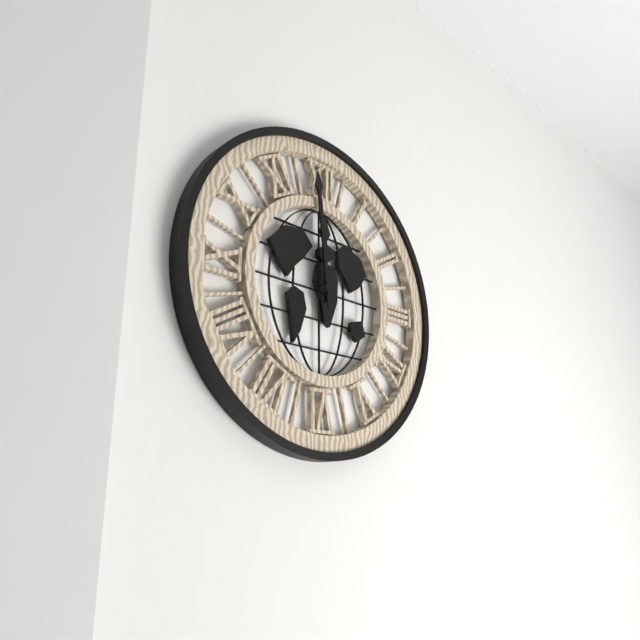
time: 11:59
